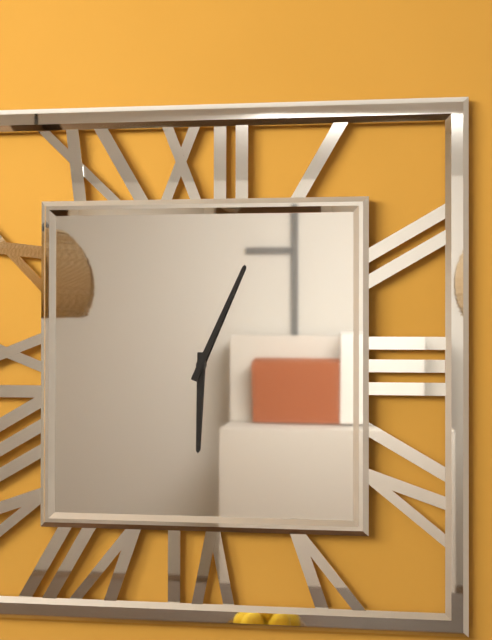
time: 6:04
